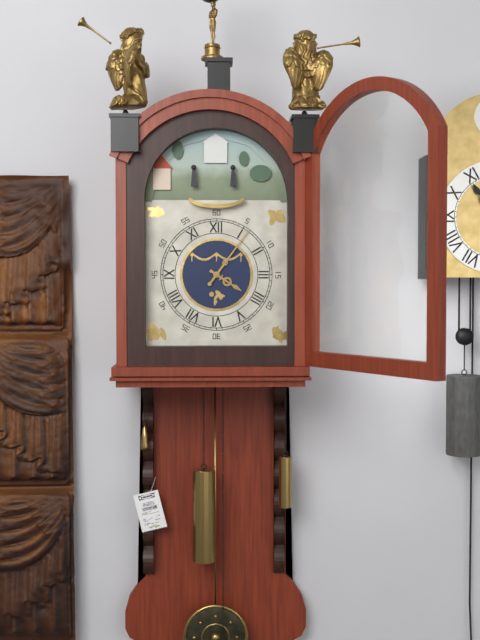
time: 4:06
